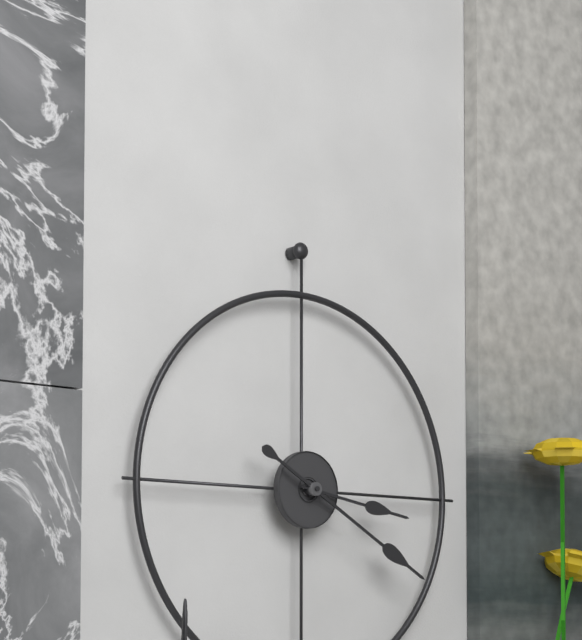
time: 3:20
